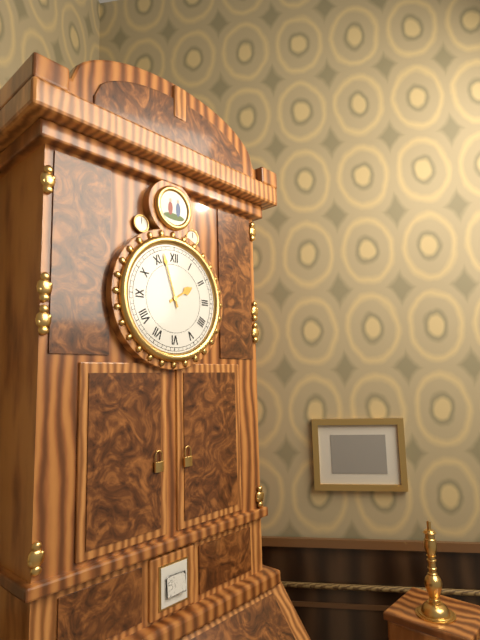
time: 1:57
